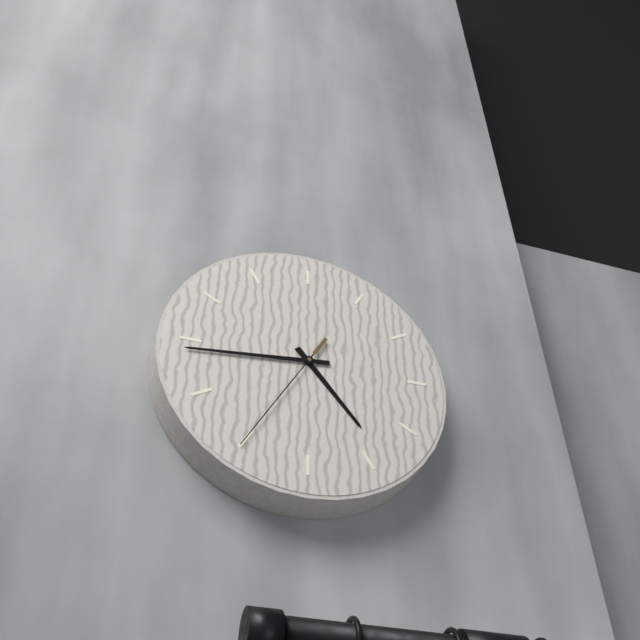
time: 4:44:35
